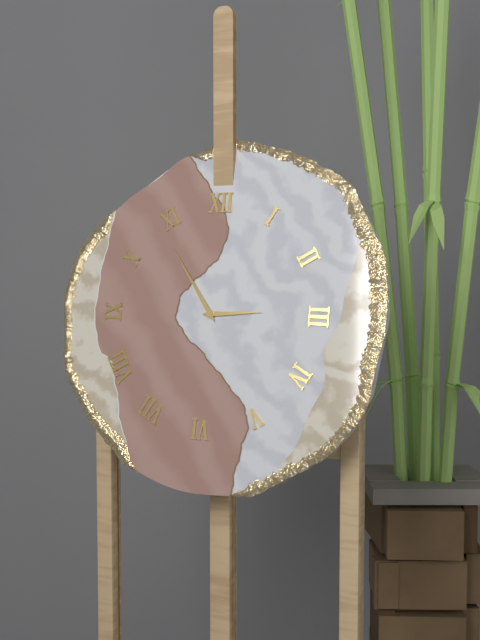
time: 2:54
